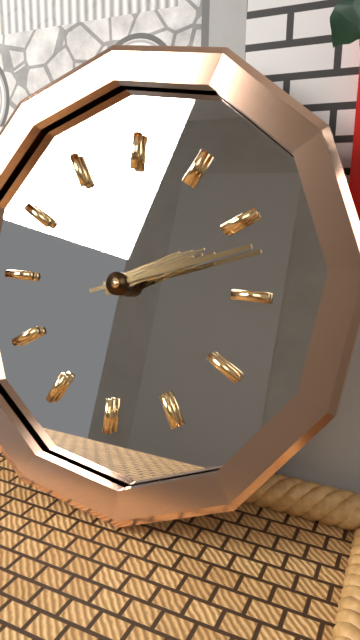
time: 2:12
